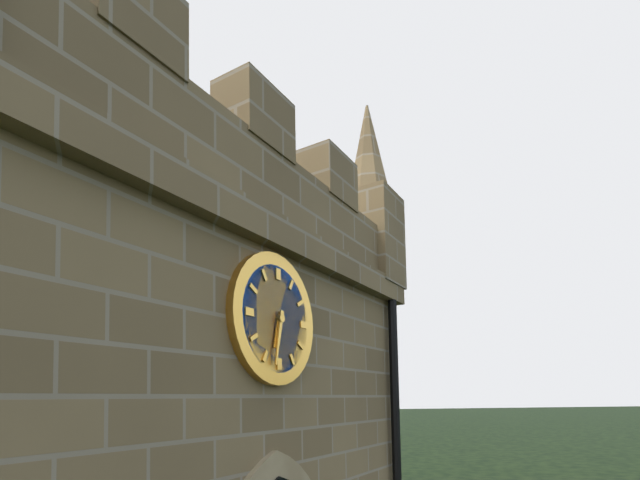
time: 6:32
